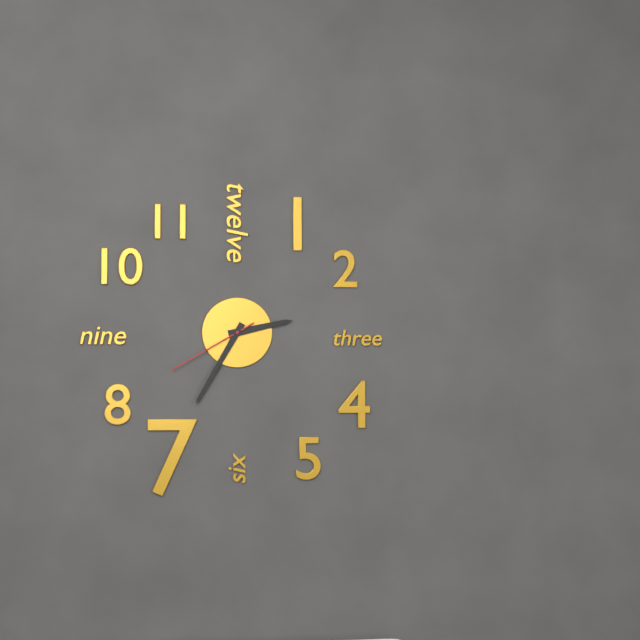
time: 2:35:40
